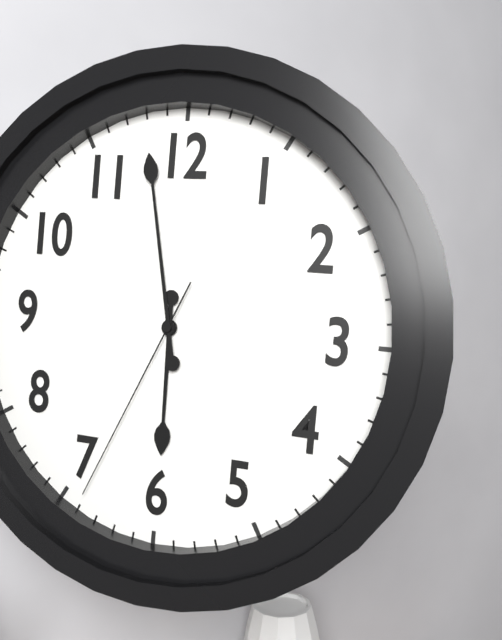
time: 5:58:34
